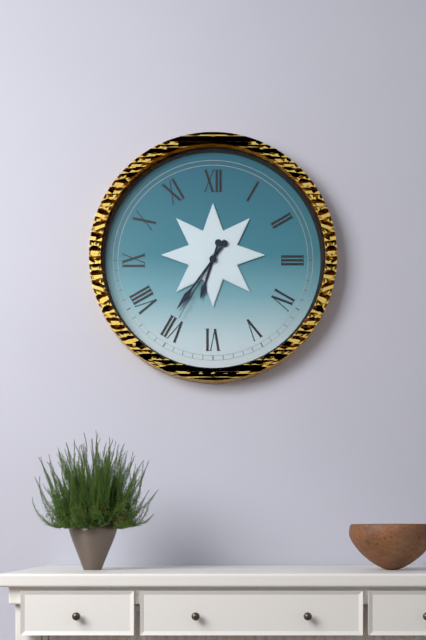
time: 6:36:35
